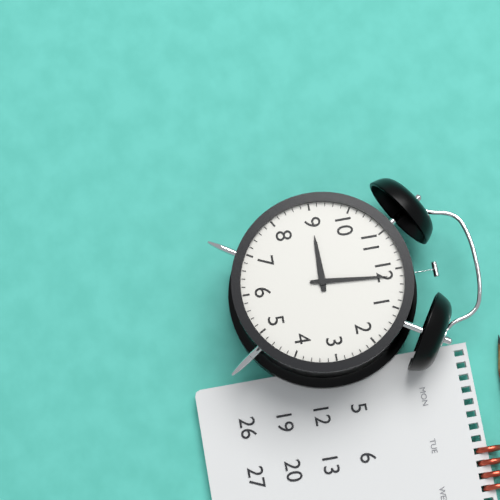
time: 9:01
